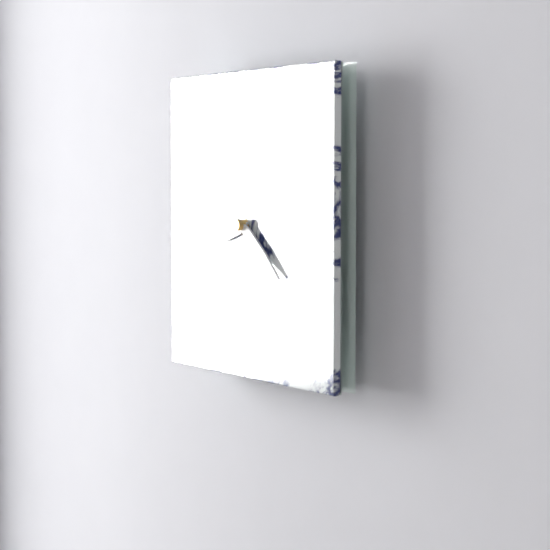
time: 8:21
